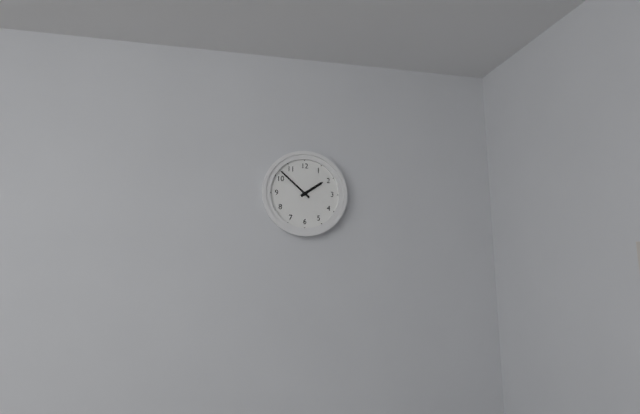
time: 1:52
